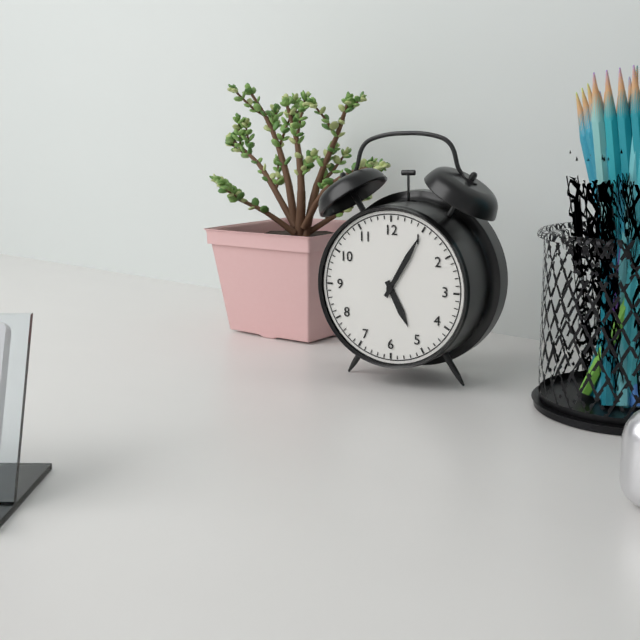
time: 5:05
